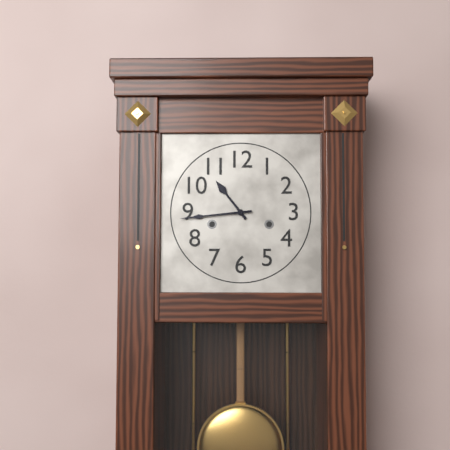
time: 10:44
